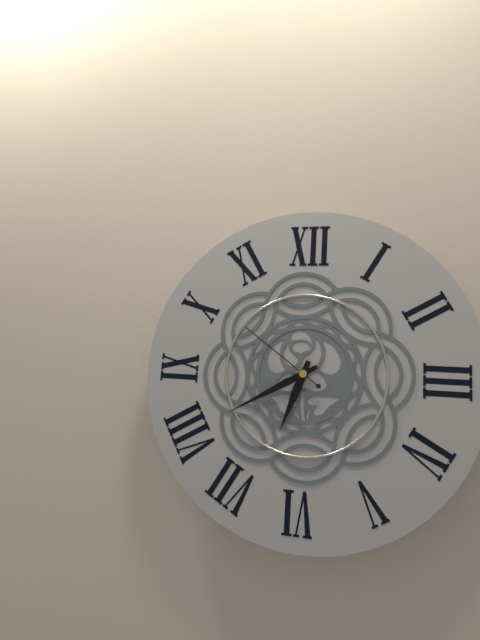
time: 6:40:51
